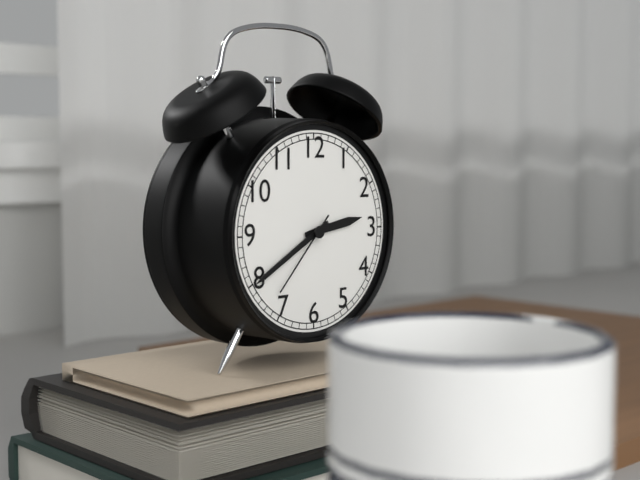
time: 2:40:37
